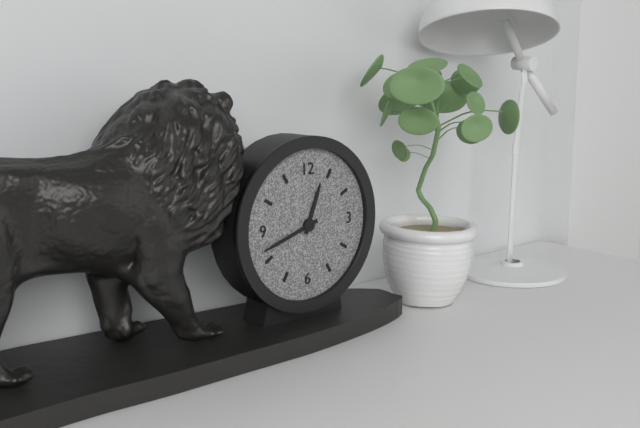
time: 12:42
